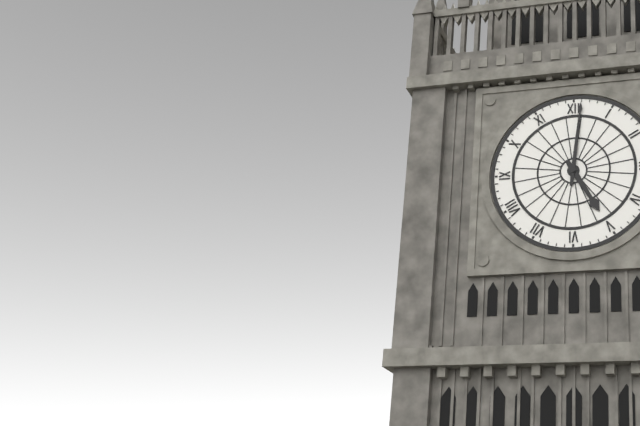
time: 5:01
